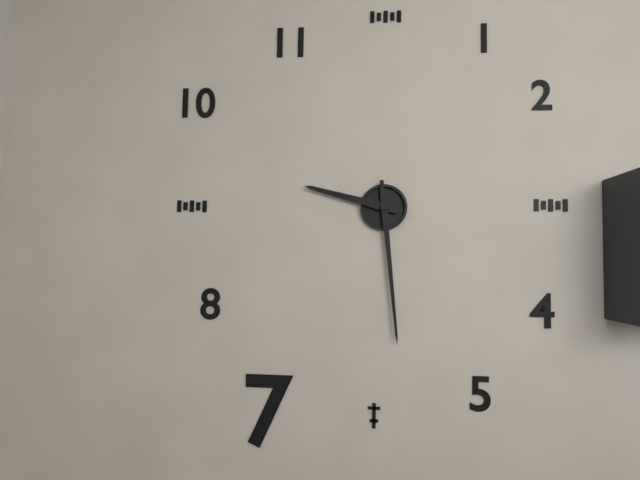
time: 9:29
